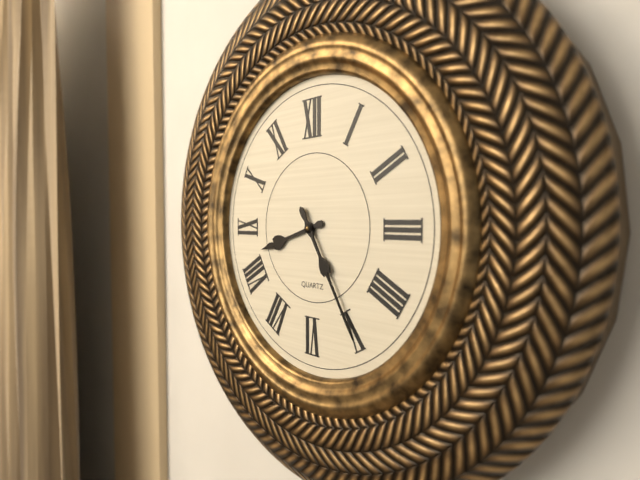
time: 8:25
